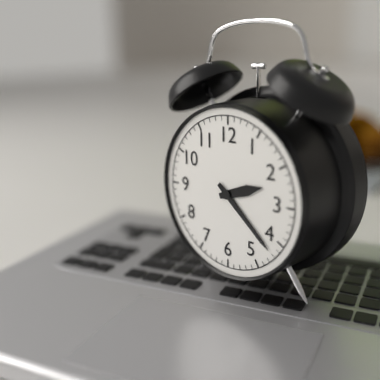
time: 2:22
